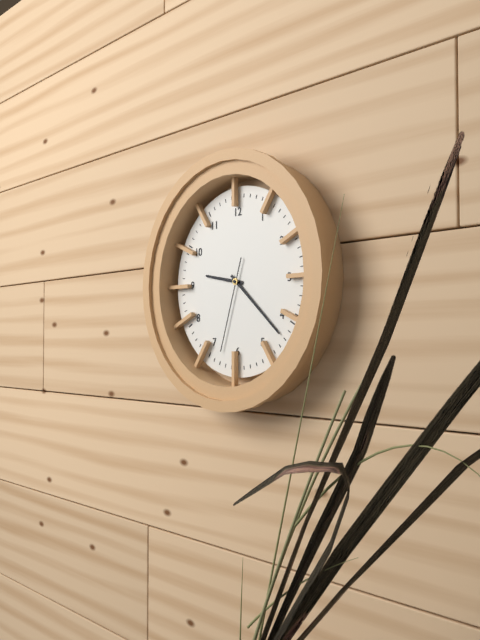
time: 9:22:33
